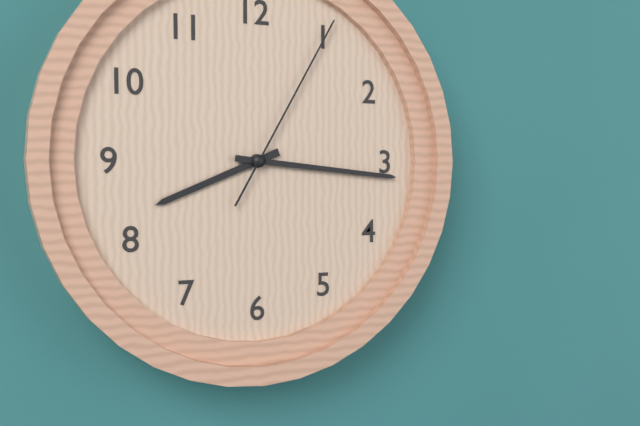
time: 8:16:05
